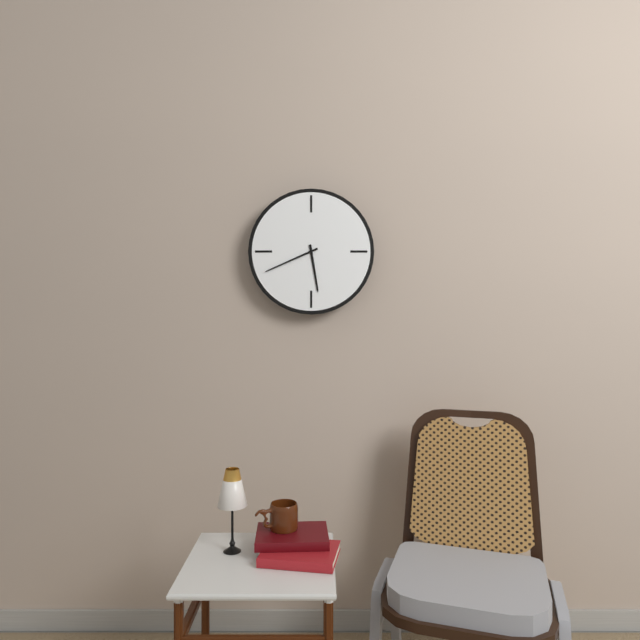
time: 5:41
